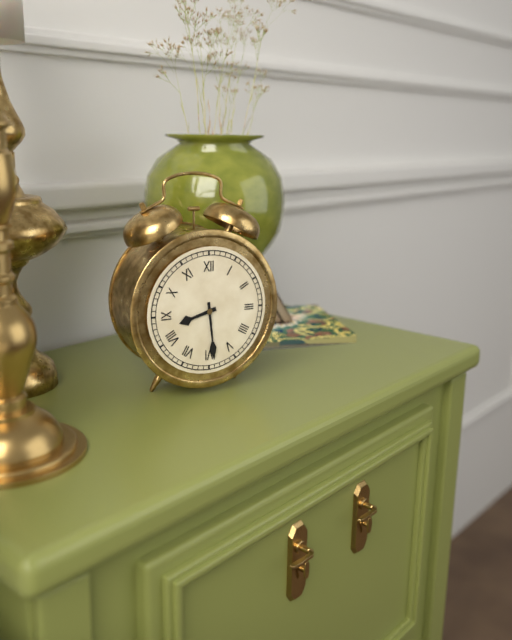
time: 8:29
